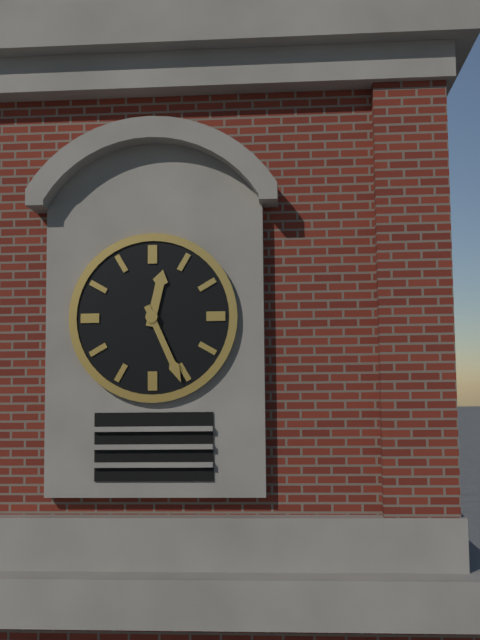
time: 12:26
